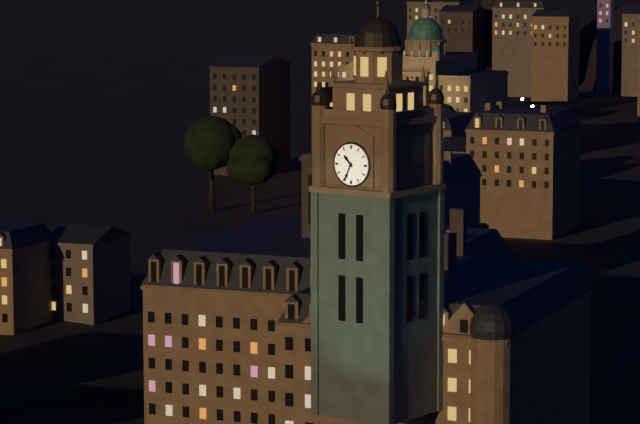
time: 10:34
